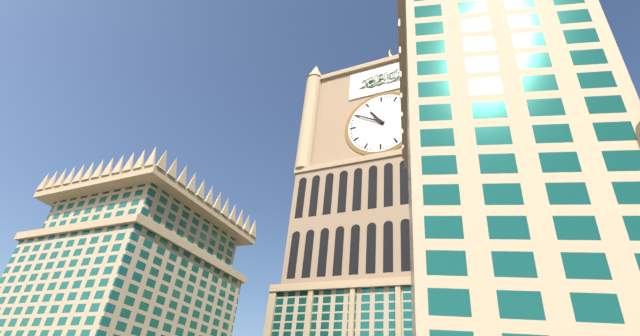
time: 10:50
